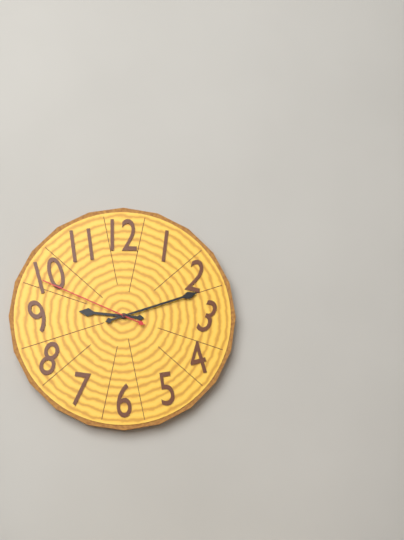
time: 9:12:49
